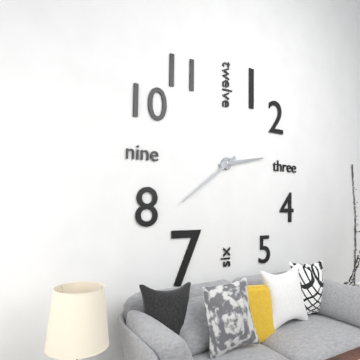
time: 2:39
